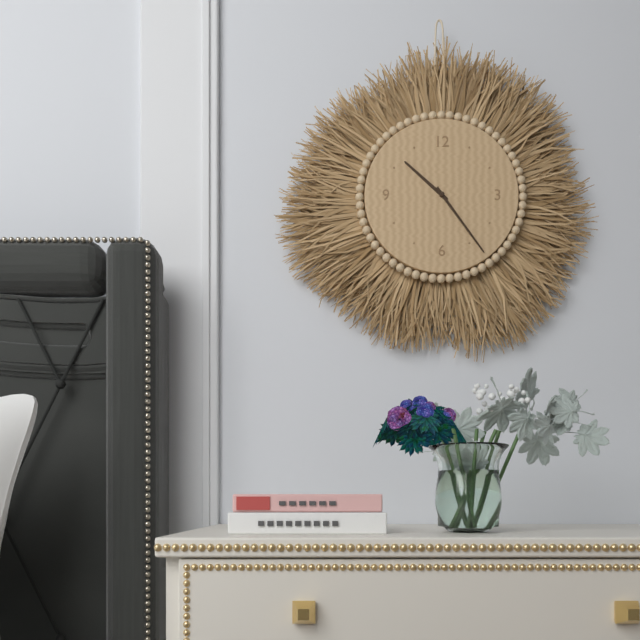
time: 10:24
